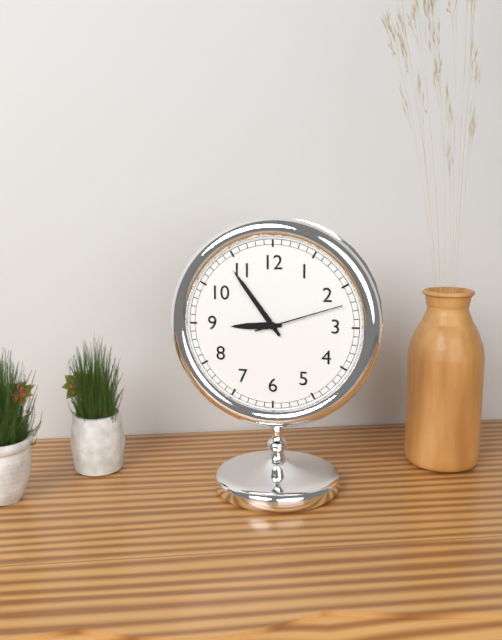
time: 8:54:12
